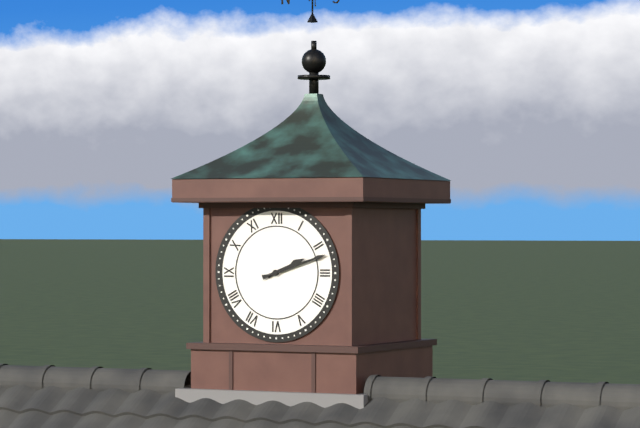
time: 2:12
